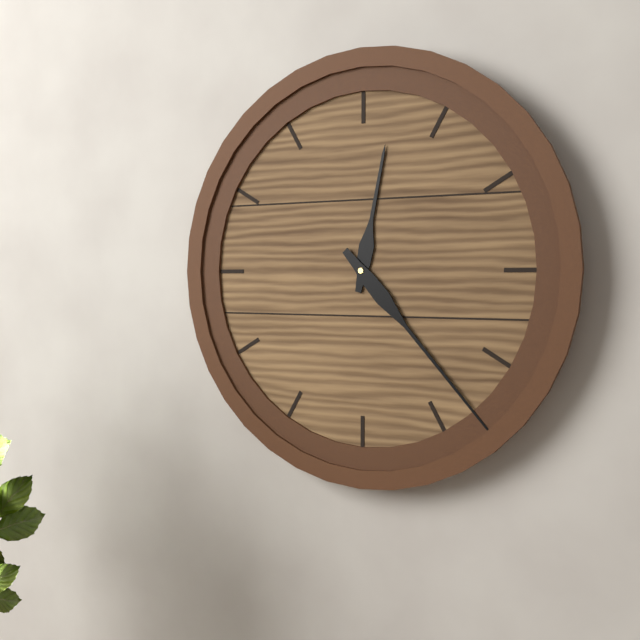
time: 12:23
